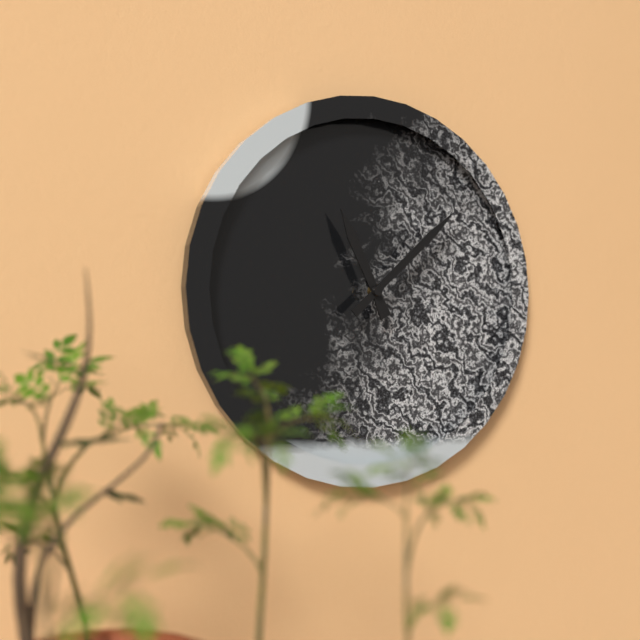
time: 11:08
